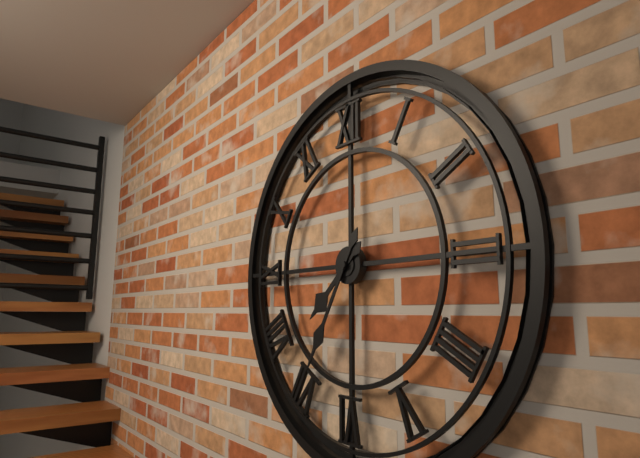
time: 7:35
